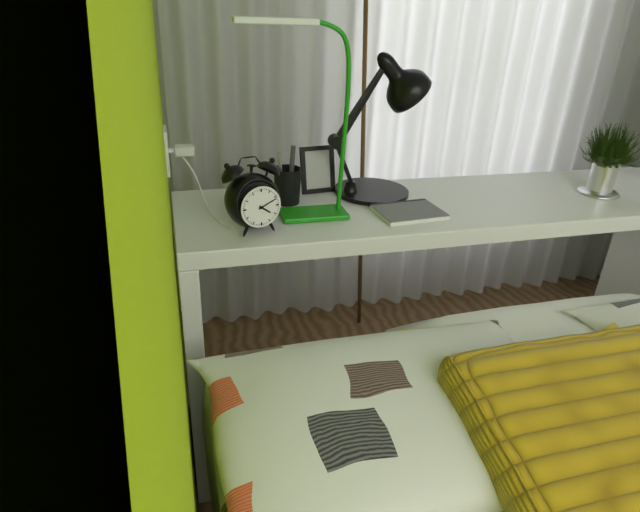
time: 4:11
